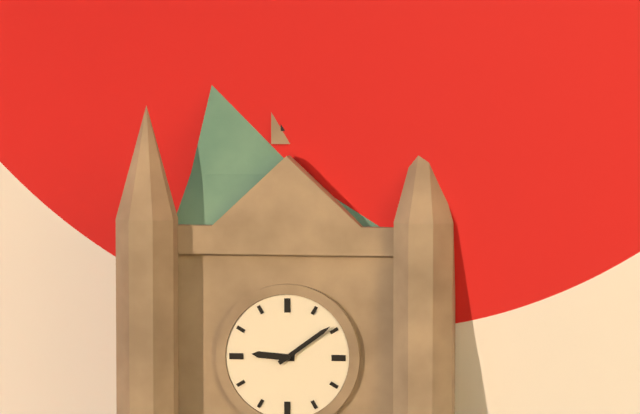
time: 9:09
